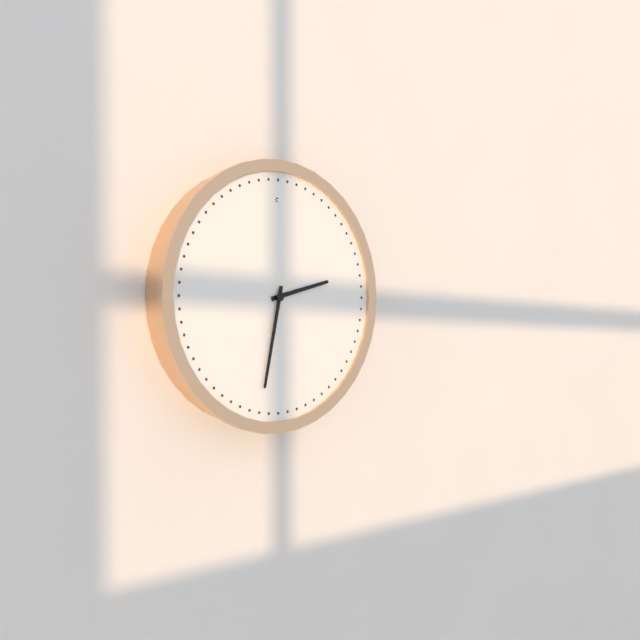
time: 2:32
